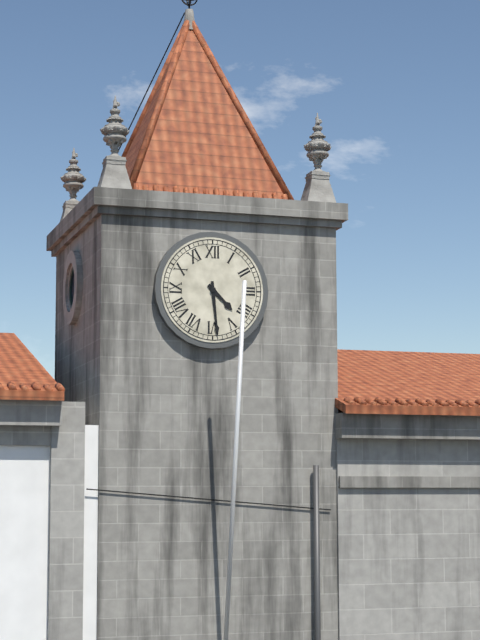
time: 4:29
